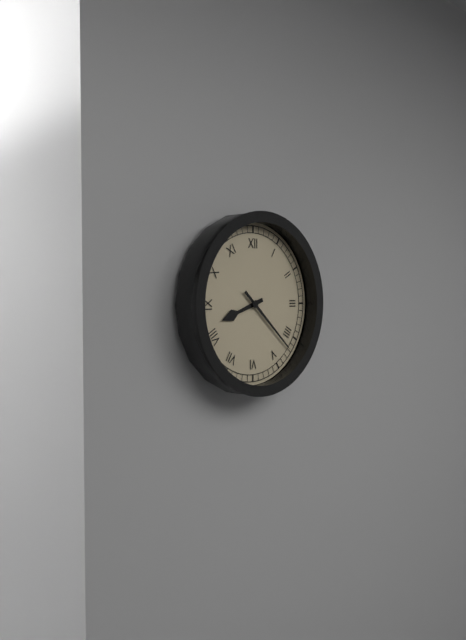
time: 8:22
